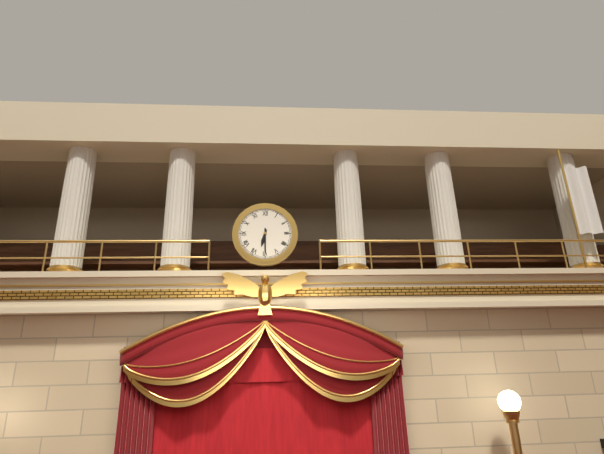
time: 6:30
